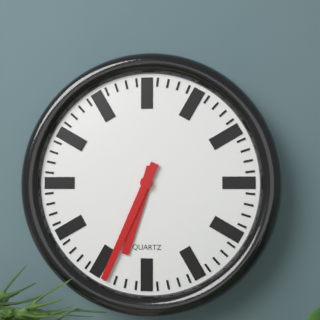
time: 6:34
